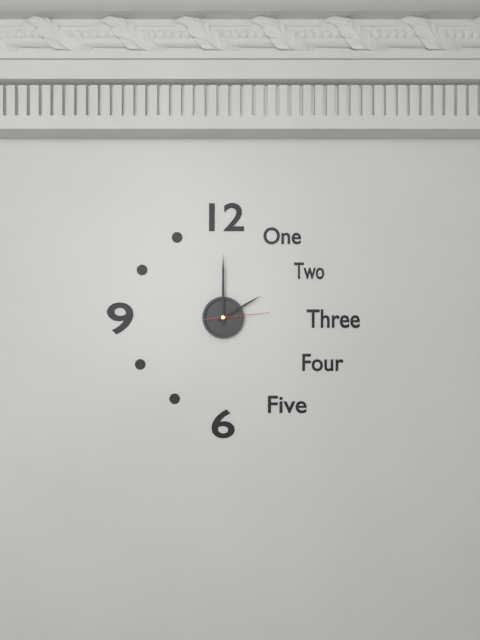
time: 2:00:14
